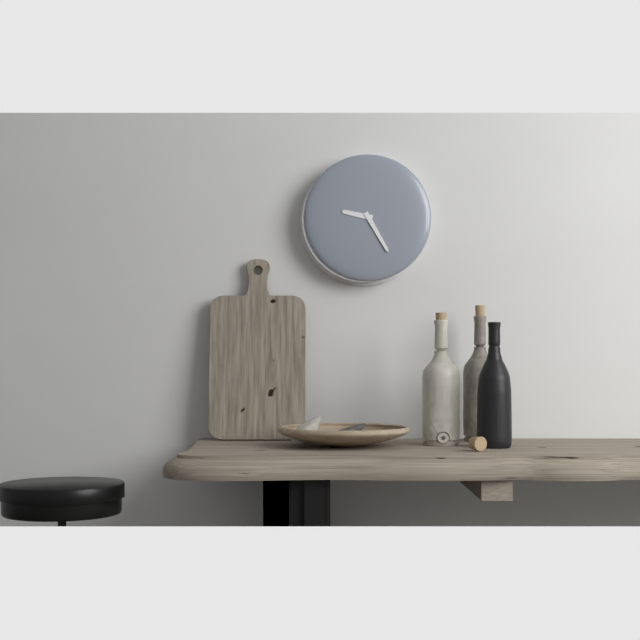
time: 9:25
